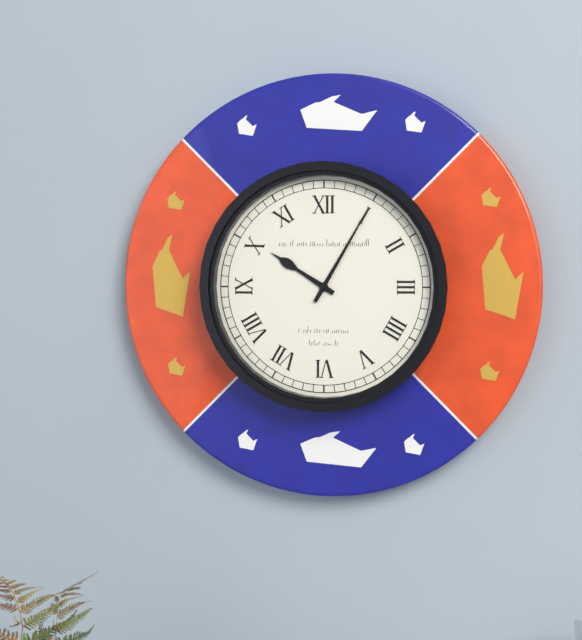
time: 10:05
